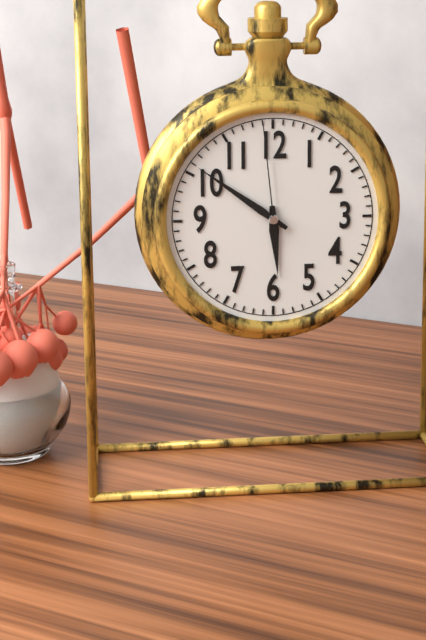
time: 5:51:59
